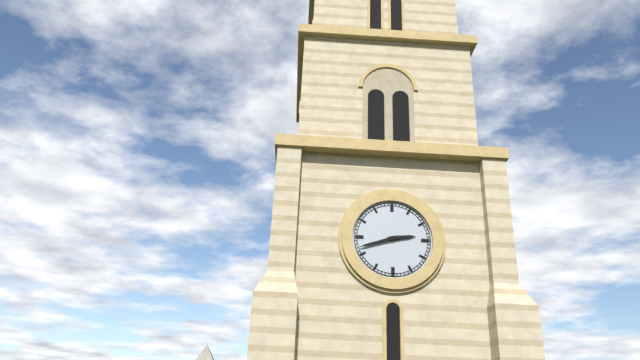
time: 2:42
